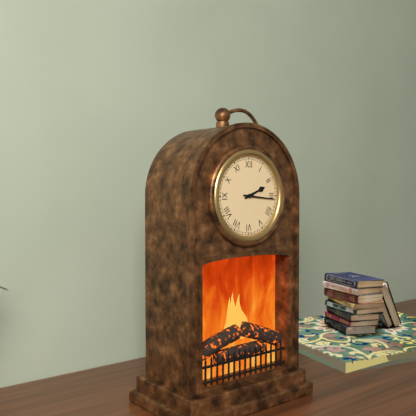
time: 2:16
